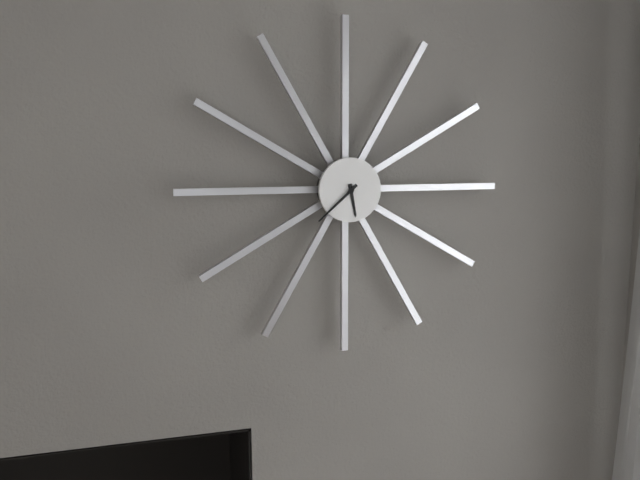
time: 5:38
